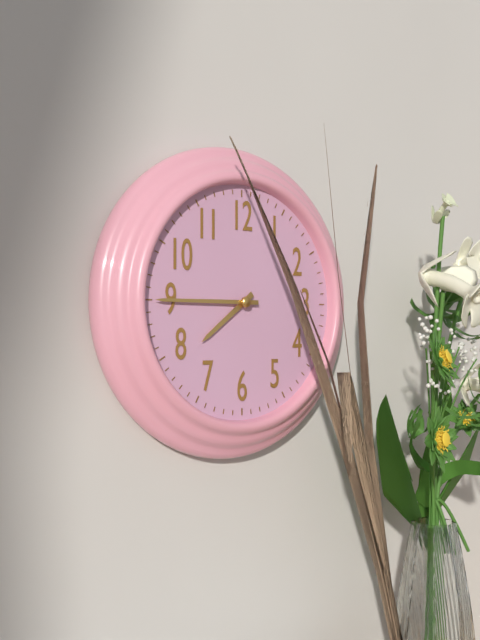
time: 7:45
